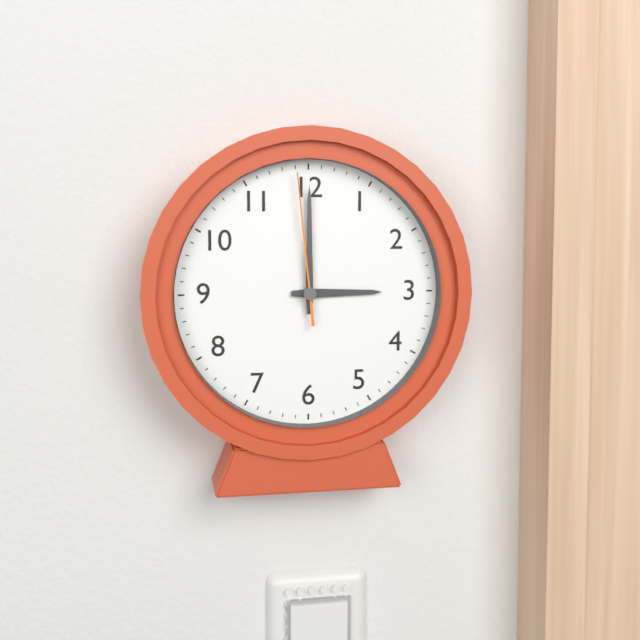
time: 3:00:59
